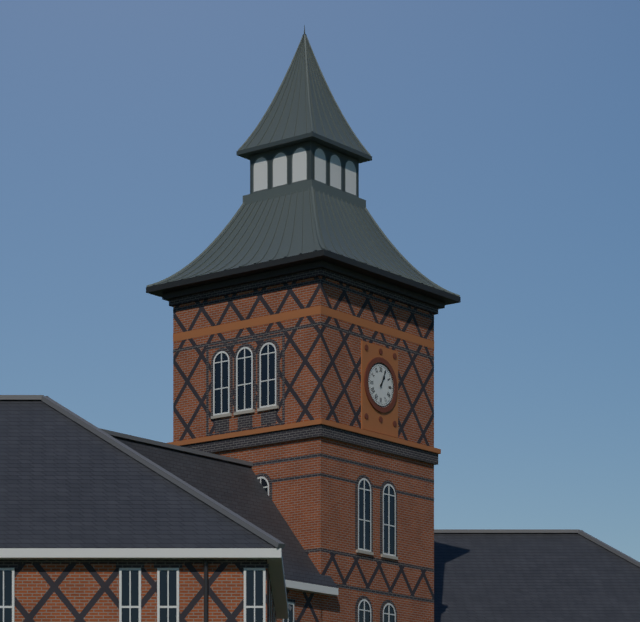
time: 1:04
